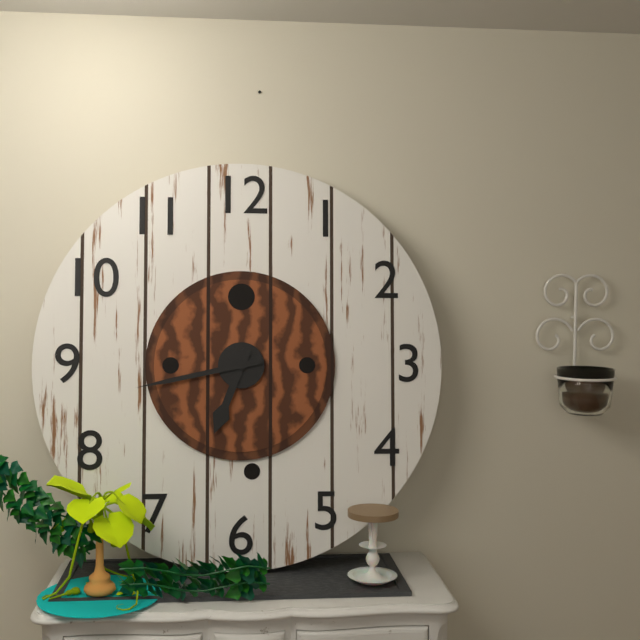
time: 6:43
